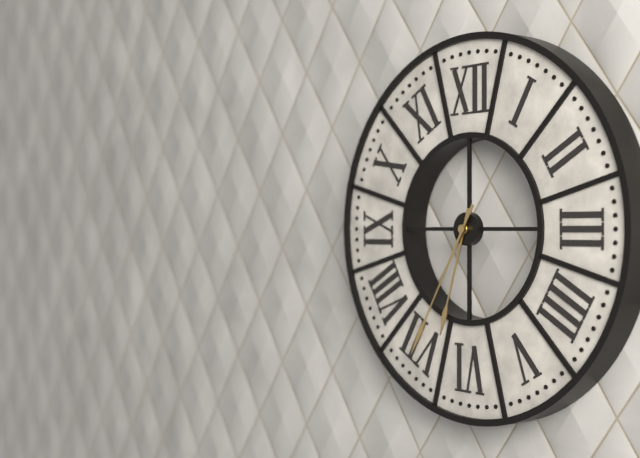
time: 6:35
